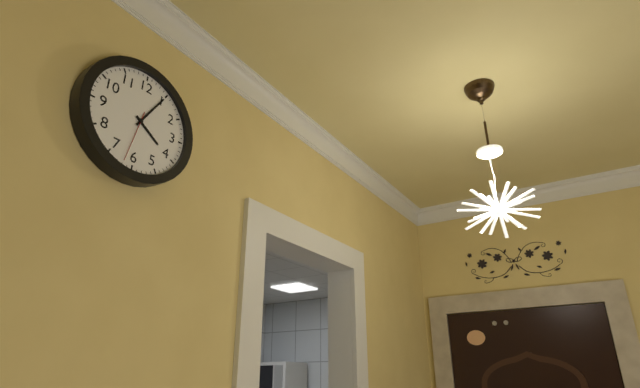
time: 4:05:32
